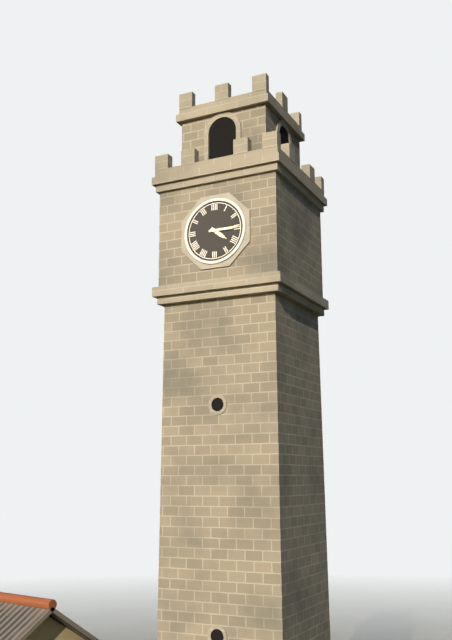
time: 4:15
